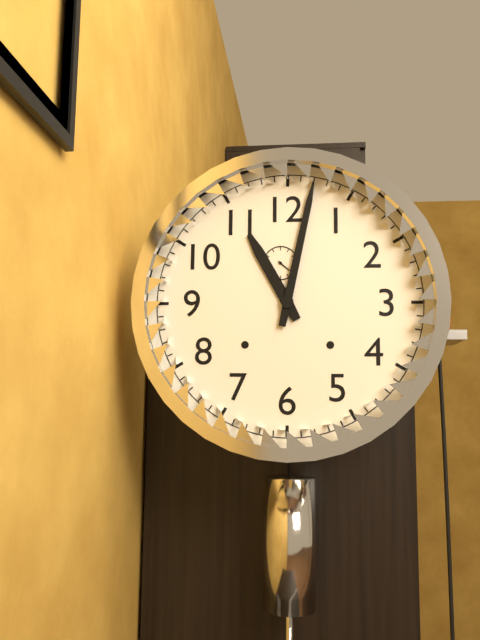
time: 11:02
